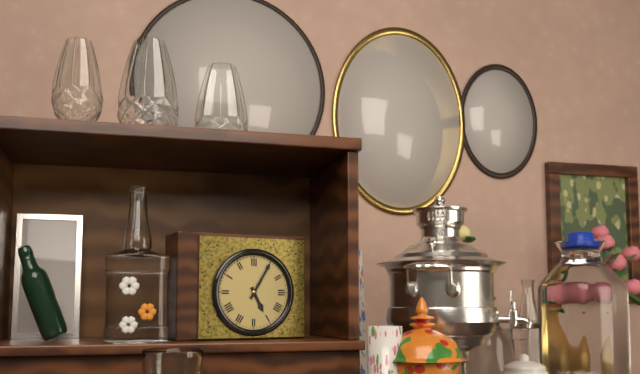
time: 5:05
